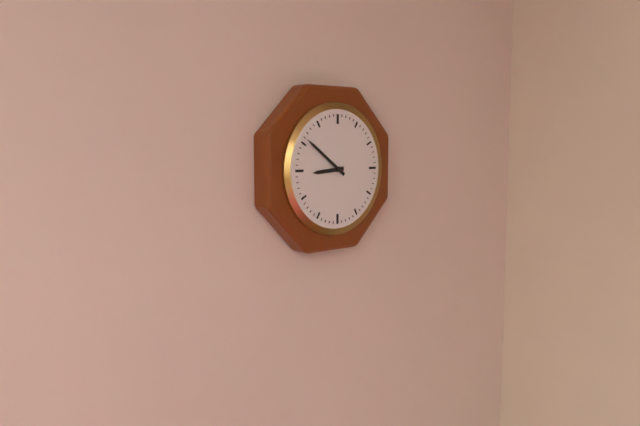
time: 8:51
